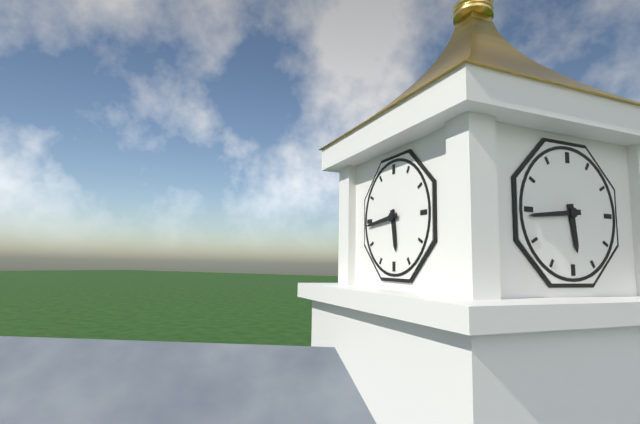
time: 5:44
